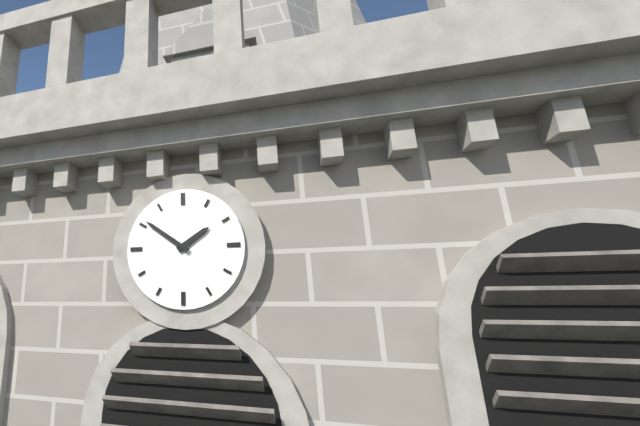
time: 1:51
